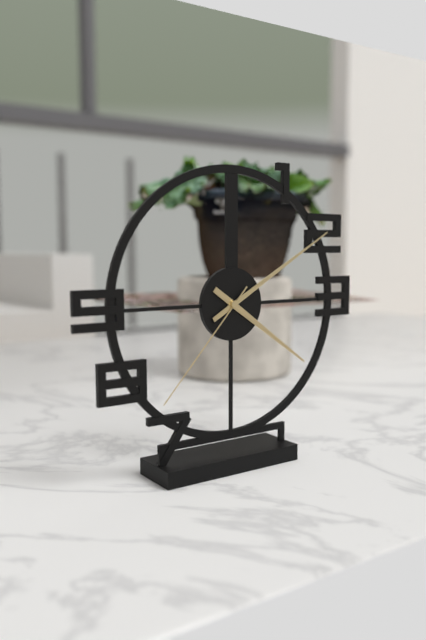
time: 4:10:37
